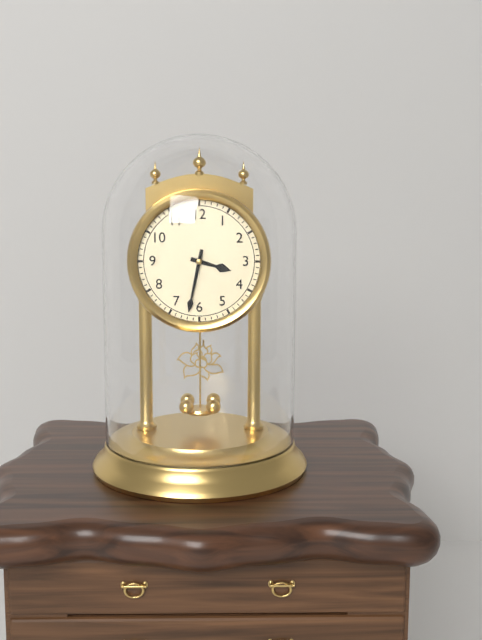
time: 3:32
